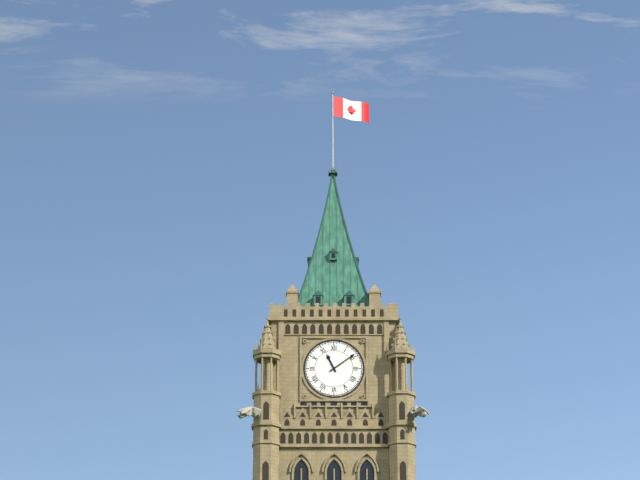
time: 11:09
